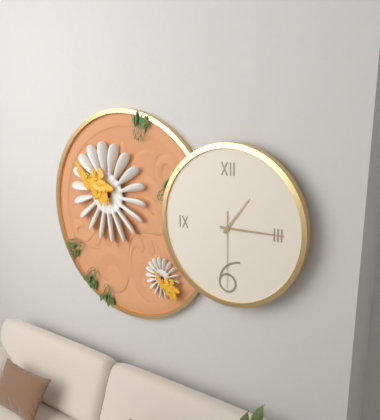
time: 1:15:30
